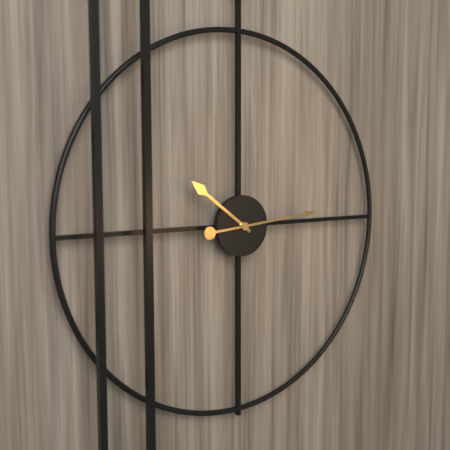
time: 10:14
